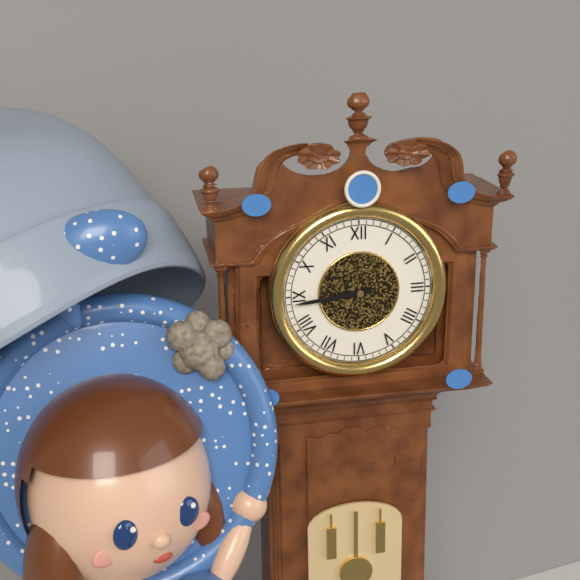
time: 8:44
